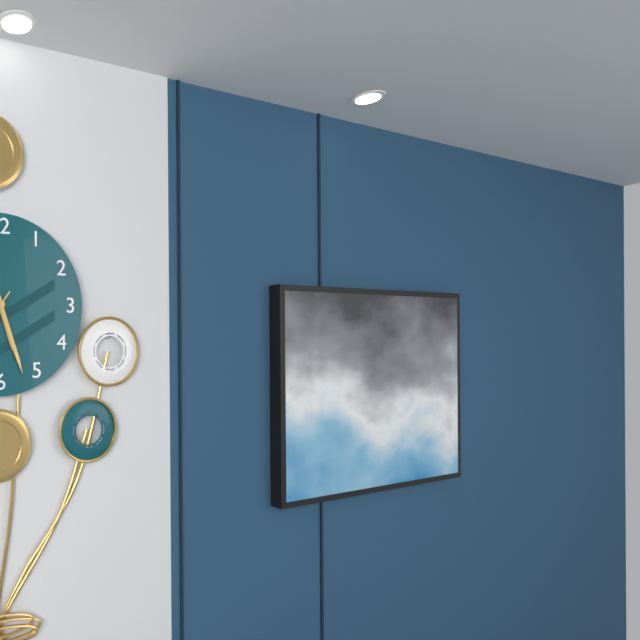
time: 5:27
